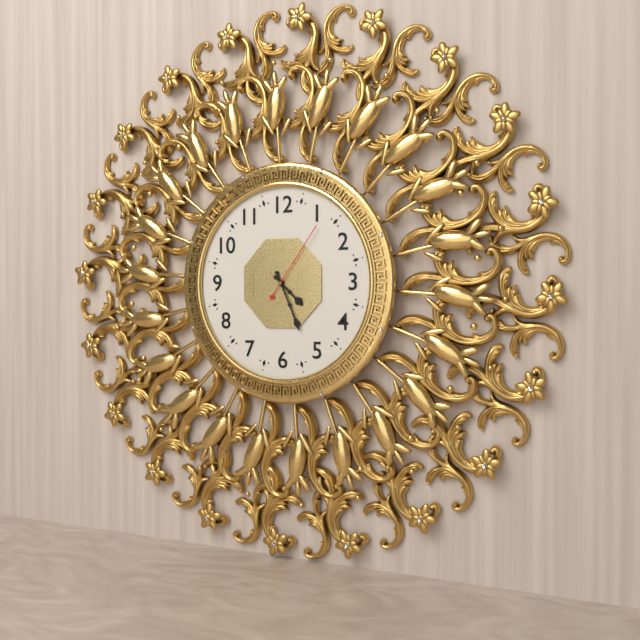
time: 4:26:06
